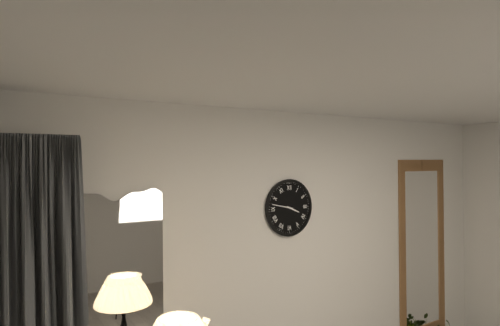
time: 3:47
